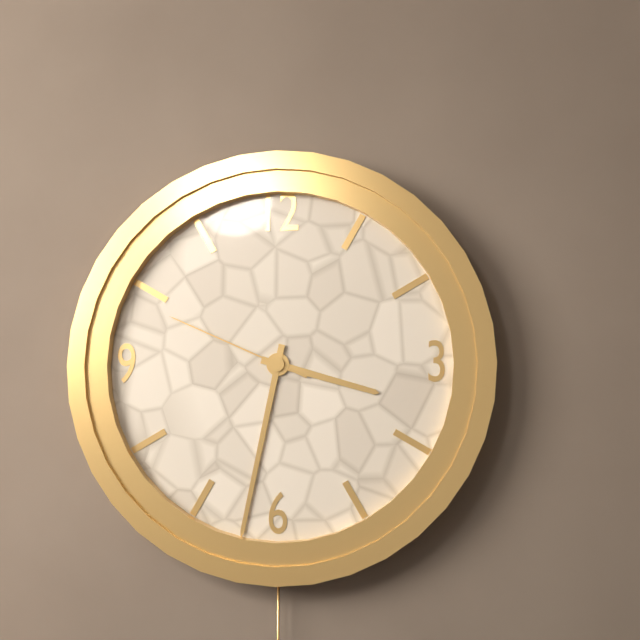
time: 3:32:49
